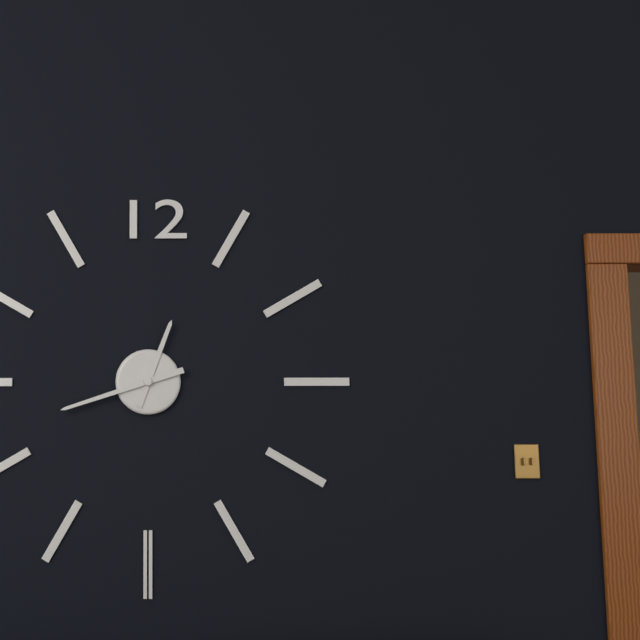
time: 12:42
